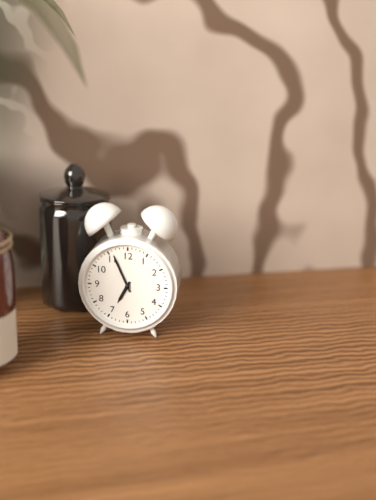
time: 6:56
